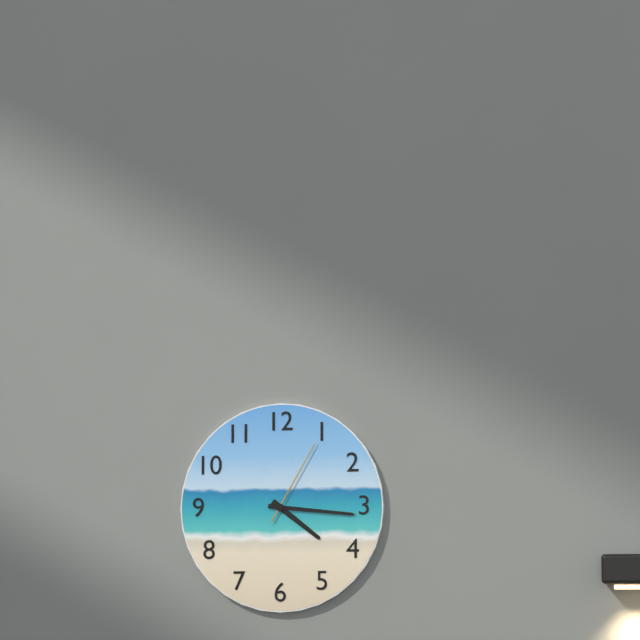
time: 4:16:05
